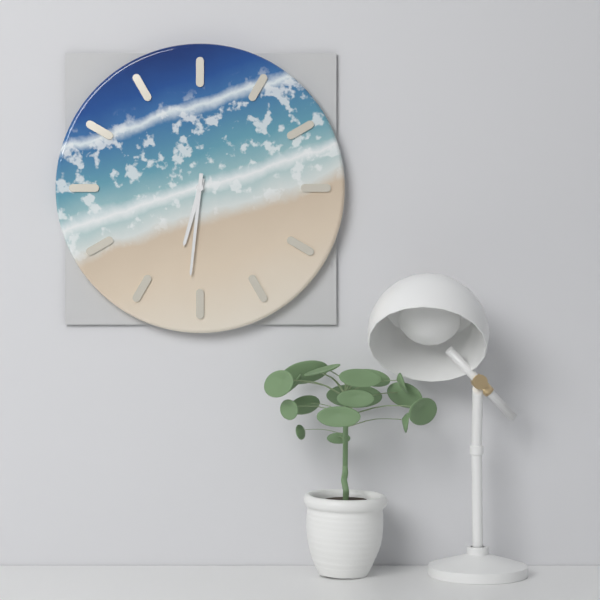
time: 6:31
